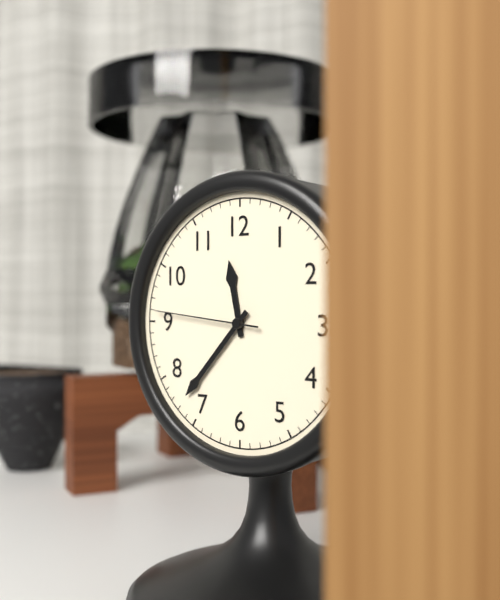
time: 11:37:46
